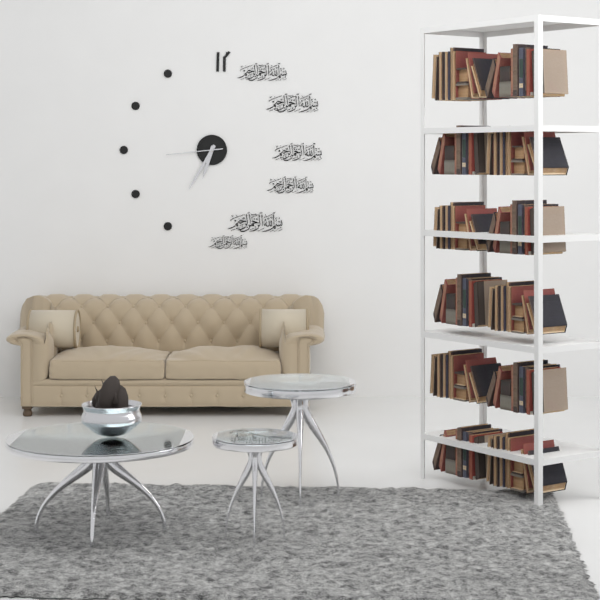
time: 6:35:44
